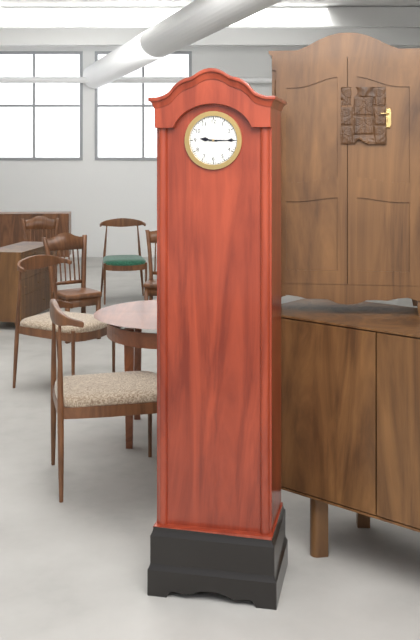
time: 9:15
